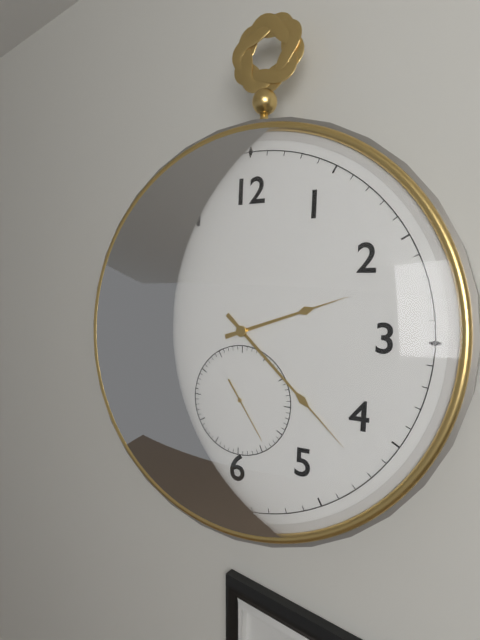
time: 2:22:24
